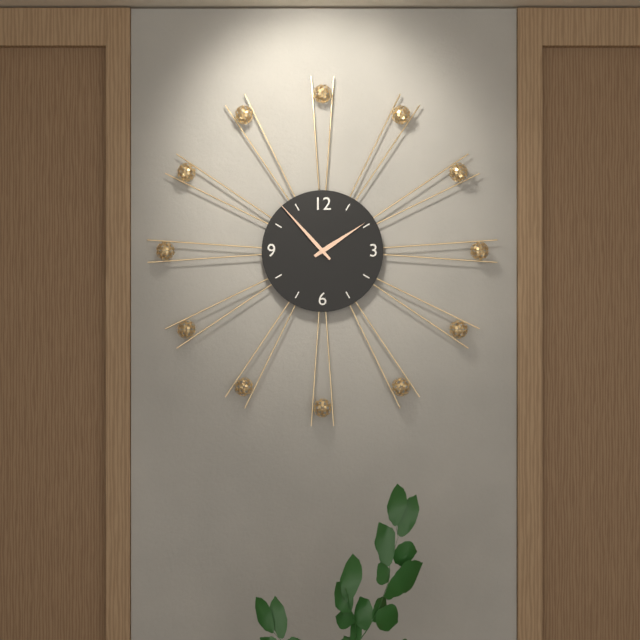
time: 1:53
